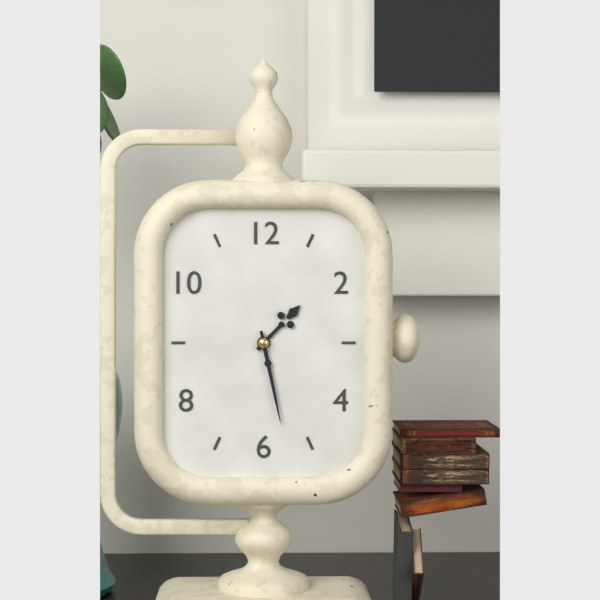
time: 1:28
